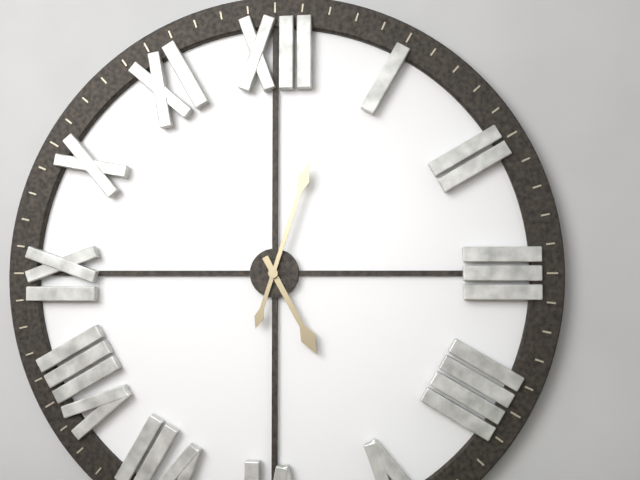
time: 5:03
